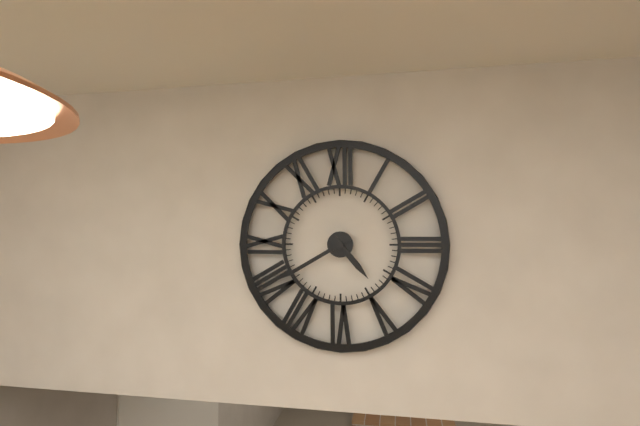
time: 4:40
